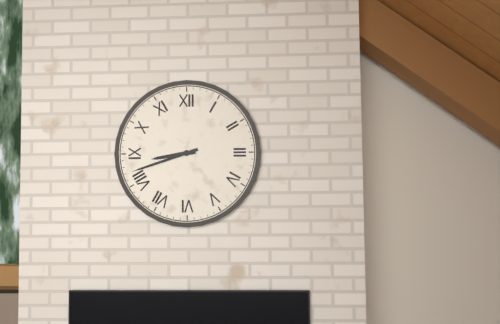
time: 8:42
